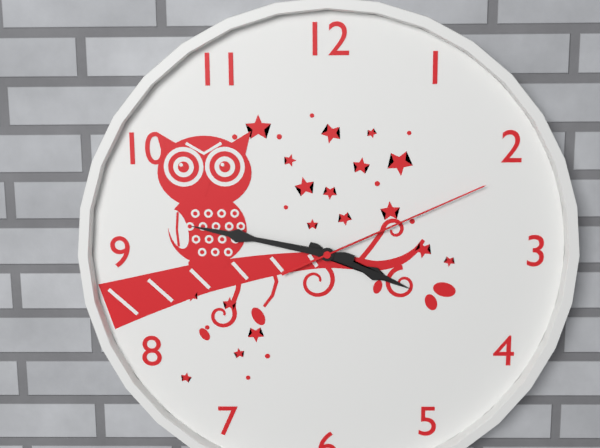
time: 3:47:11
